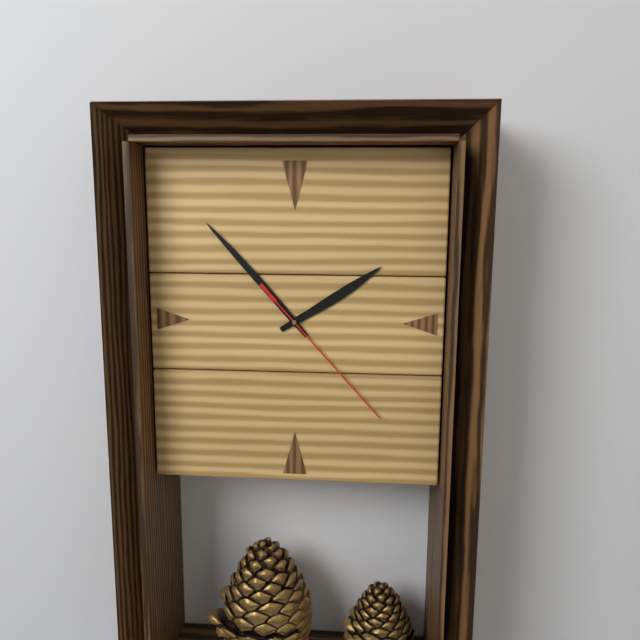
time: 1:53:23
